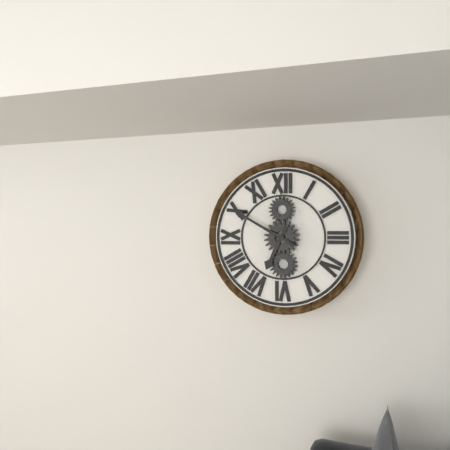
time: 6:50
